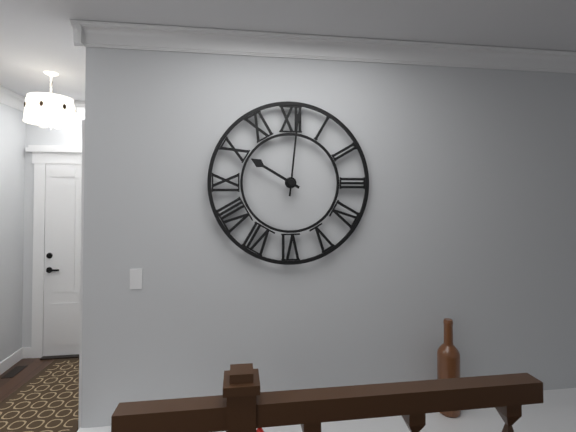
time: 10:01
